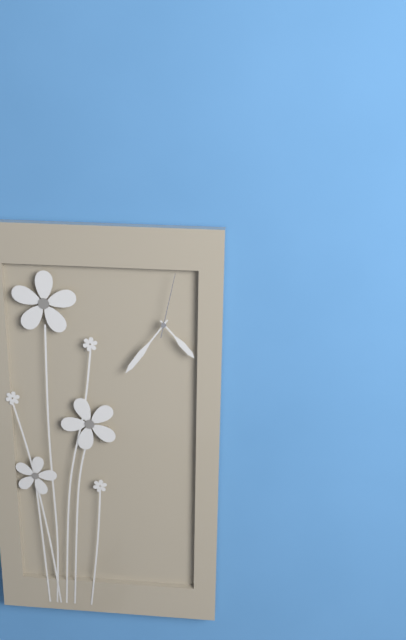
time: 4:36:02
